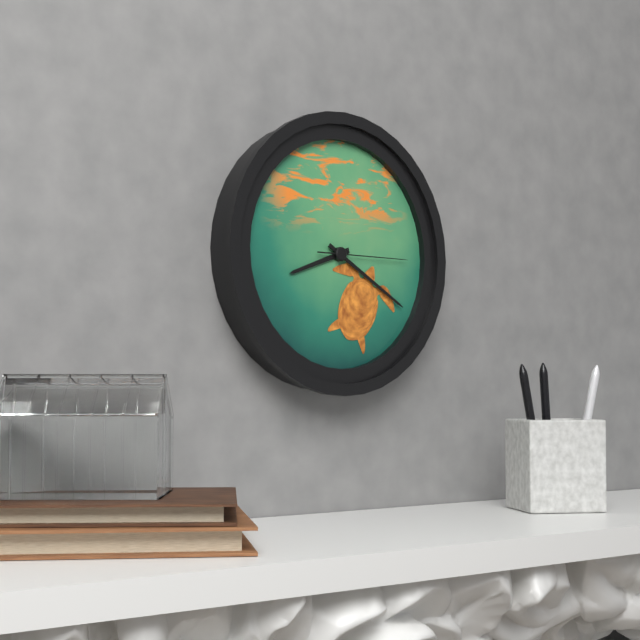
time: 8:20:15
